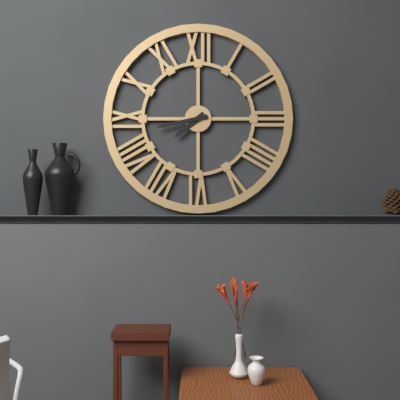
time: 7:43
